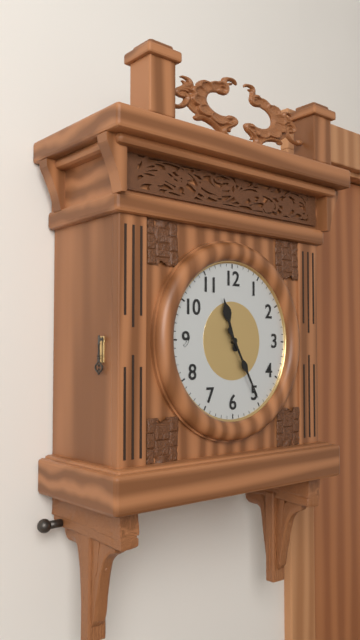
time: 11:25
